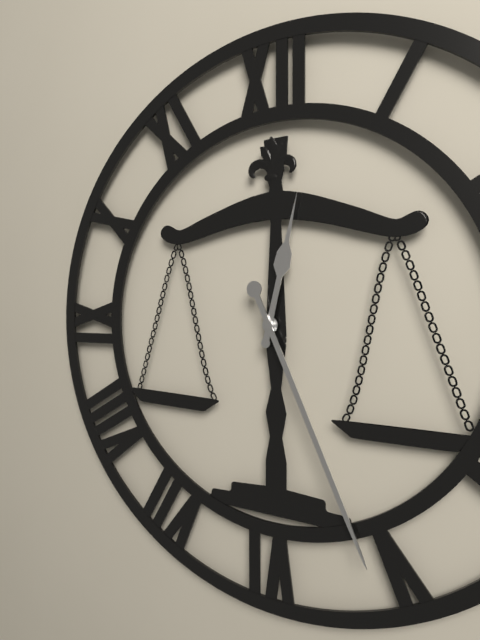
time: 12:26
